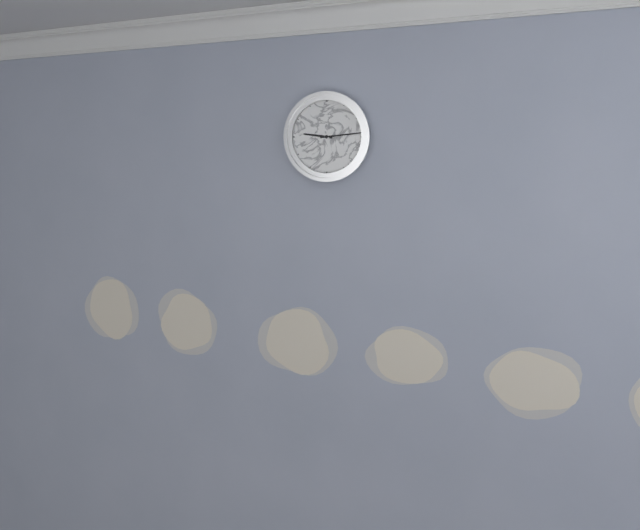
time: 9:14
